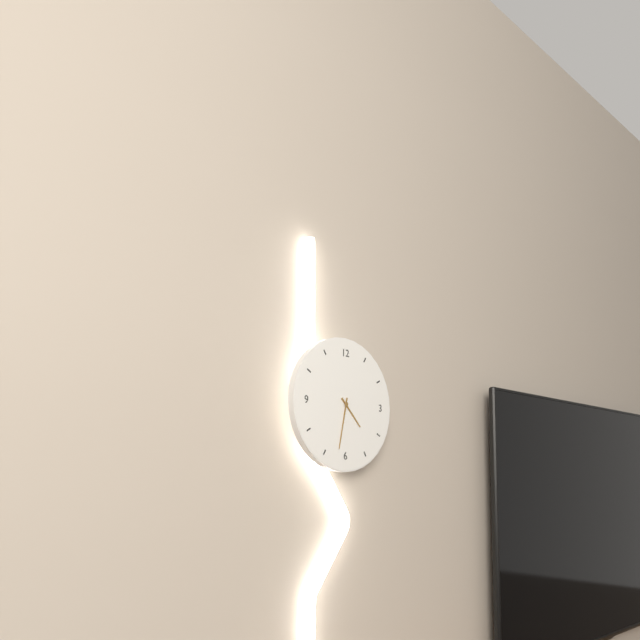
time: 4:32
